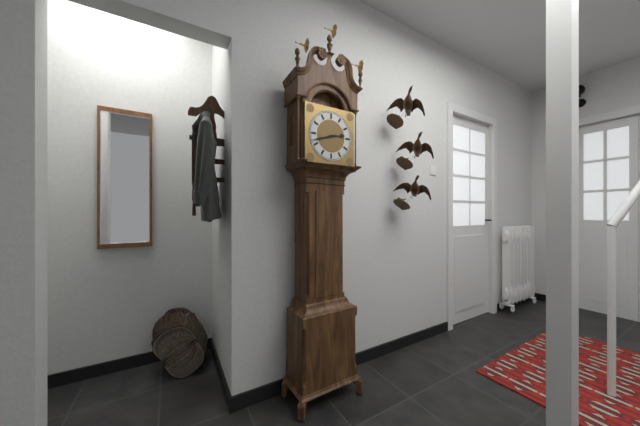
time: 2:42
